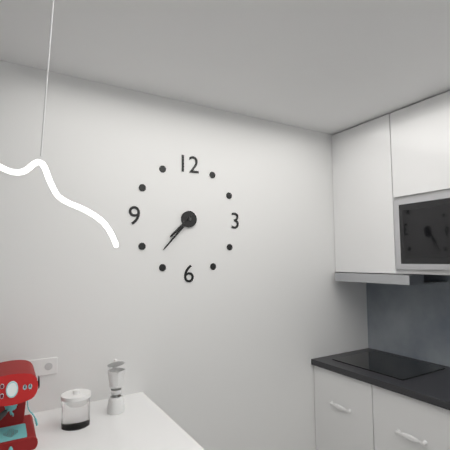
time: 7:37
